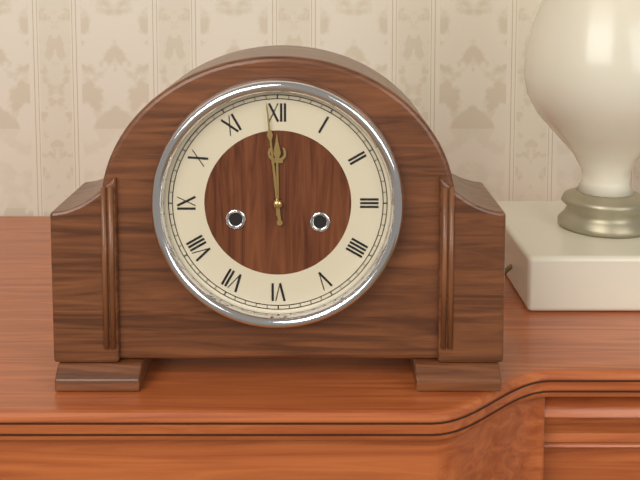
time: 11:59
